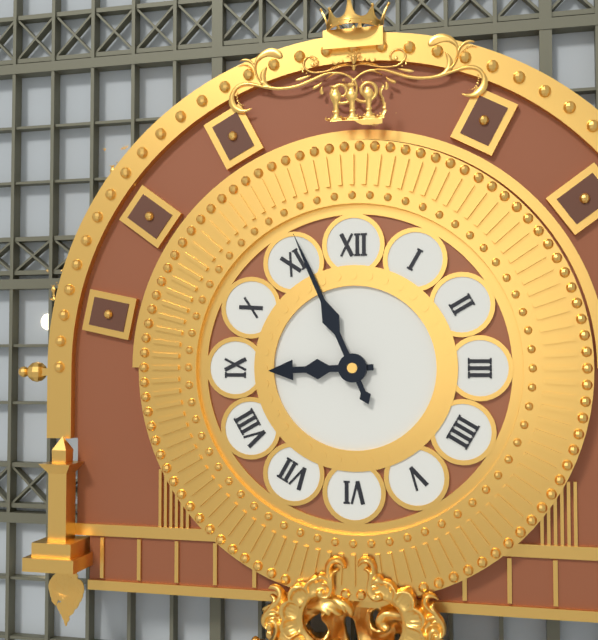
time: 8:56
